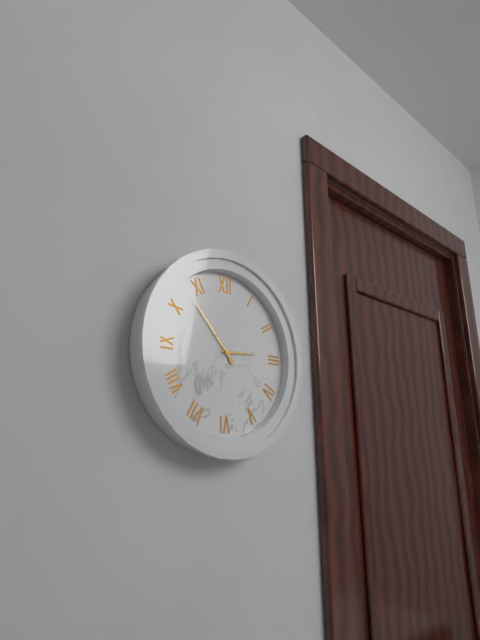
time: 2:53
